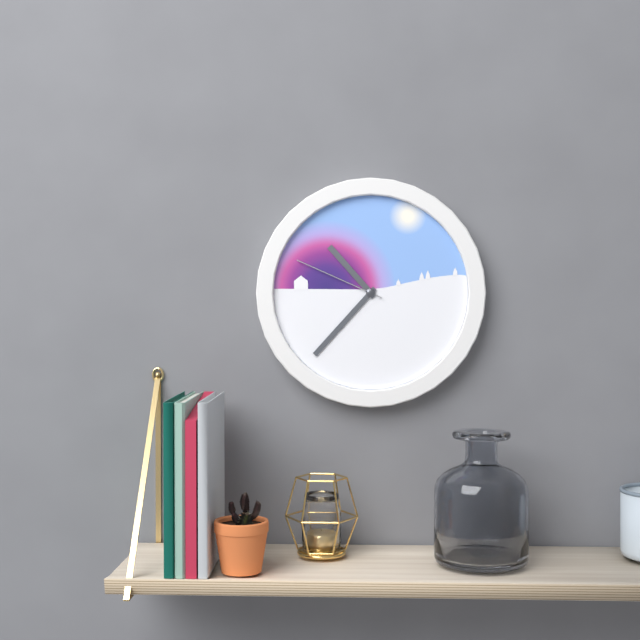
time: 10:37:49
